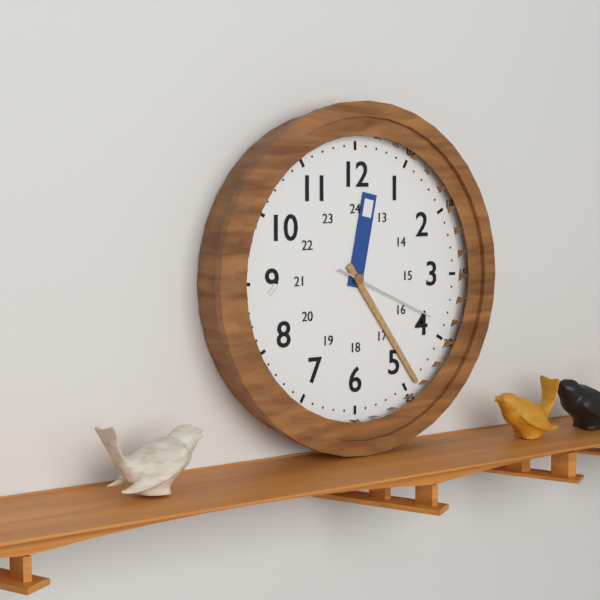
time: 12:24:19
